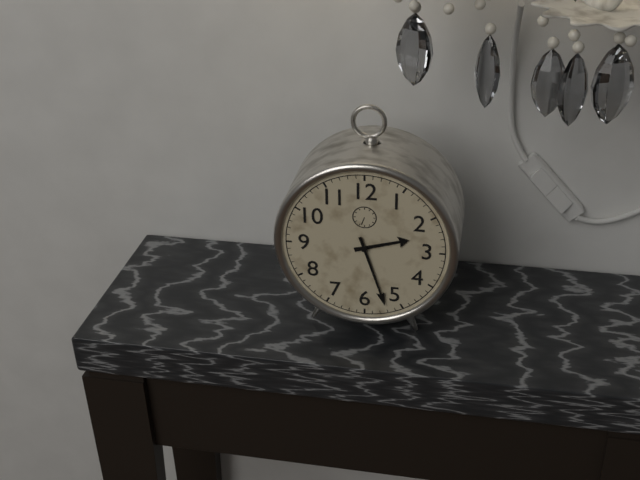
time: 2:27
